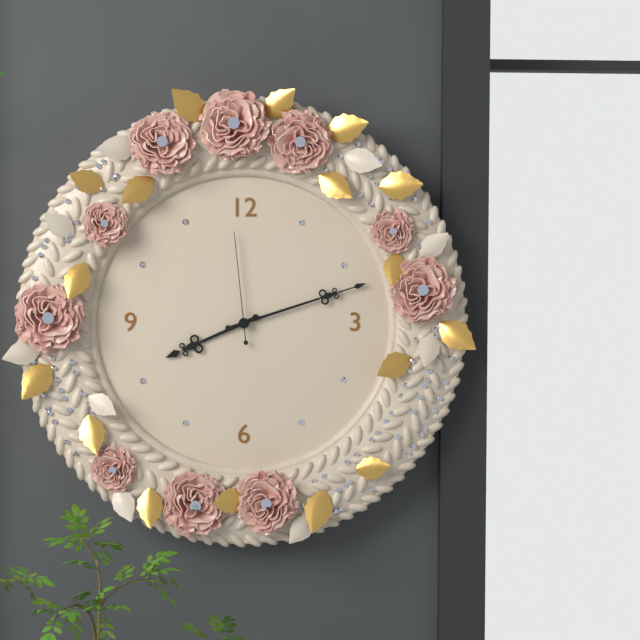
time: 8:12:59
